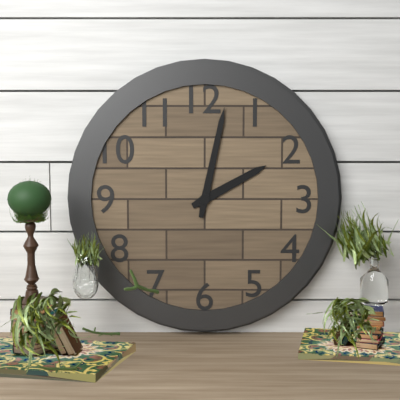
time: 2:02
